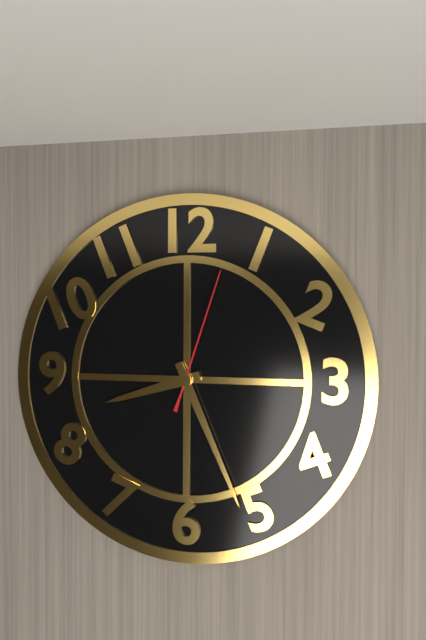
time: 8:26:03
